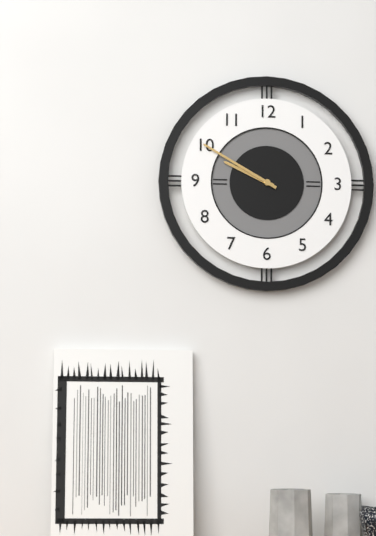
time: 9:50
